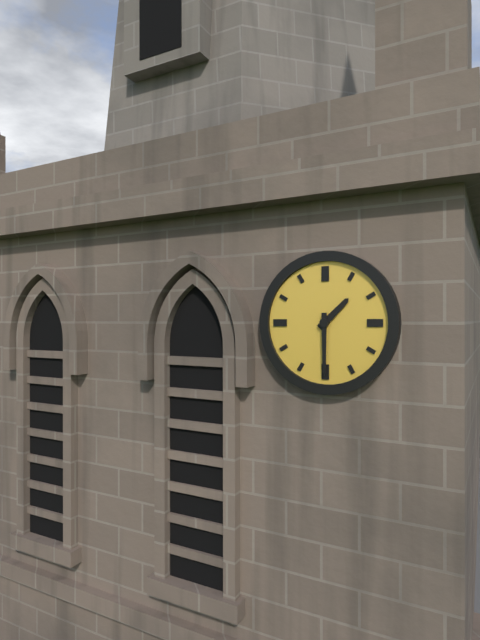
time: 1:30
